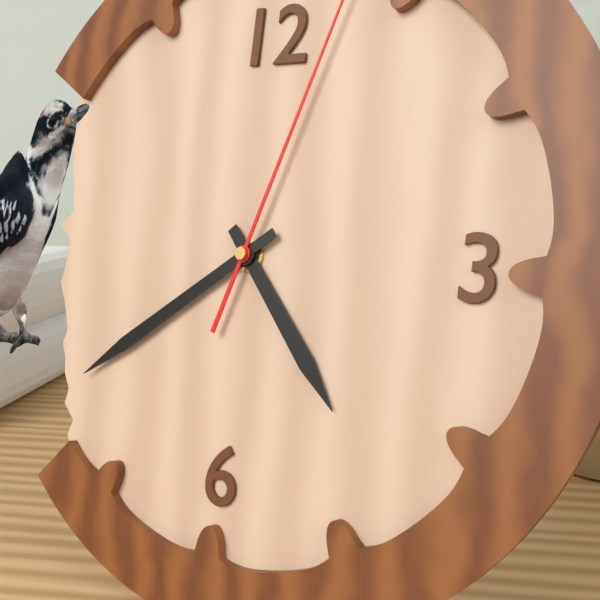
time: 4:39
